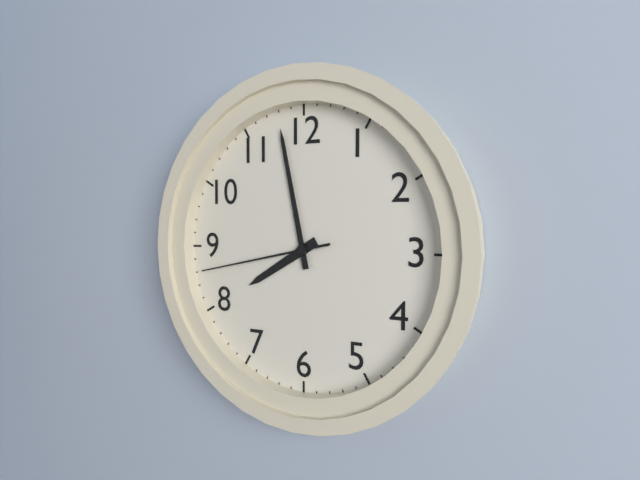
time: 7:58:43
